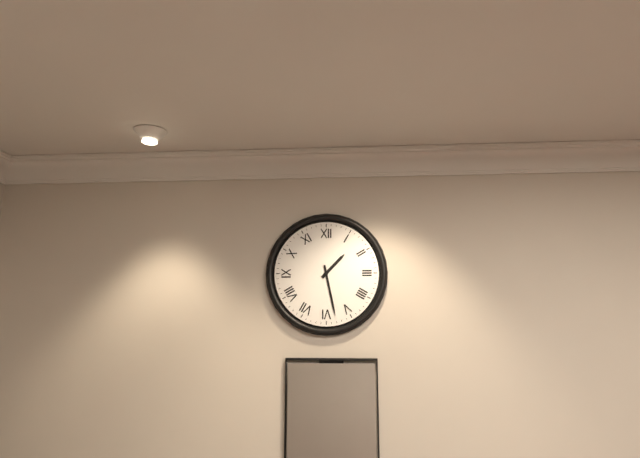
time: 1:28
